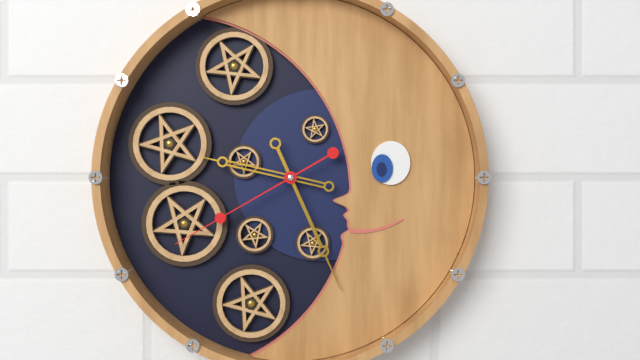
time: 9:26:40
